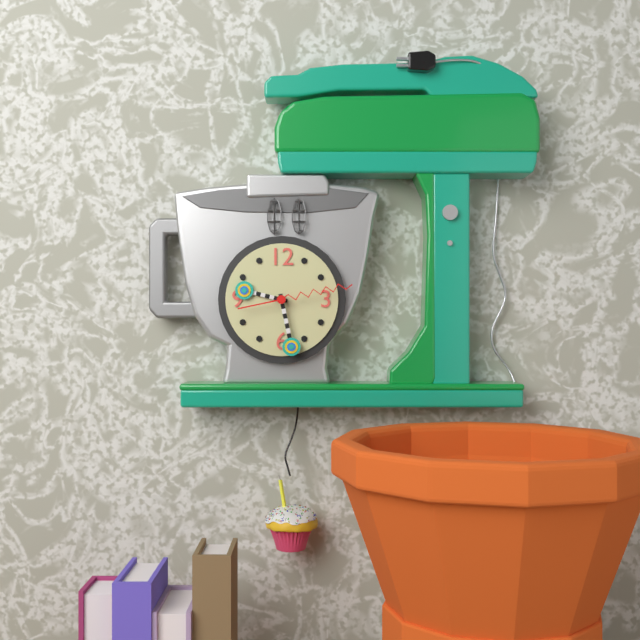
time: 9:28:13
